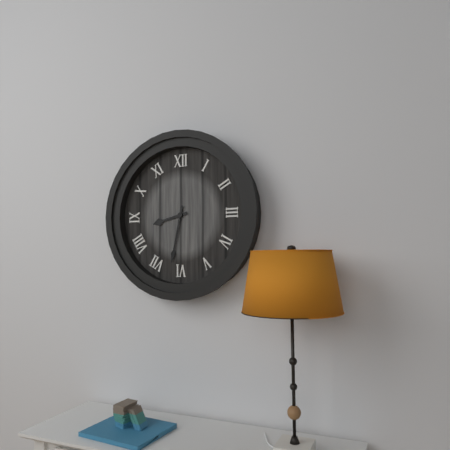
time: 8:32
